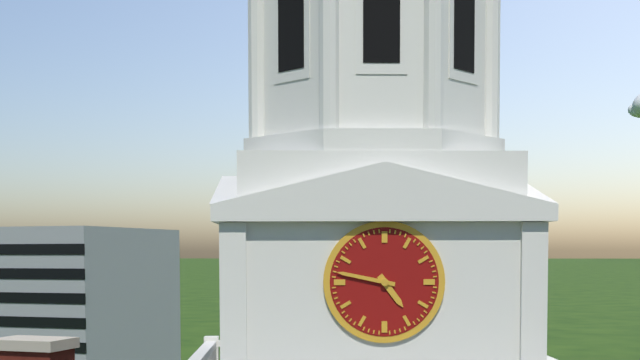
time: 4:47
